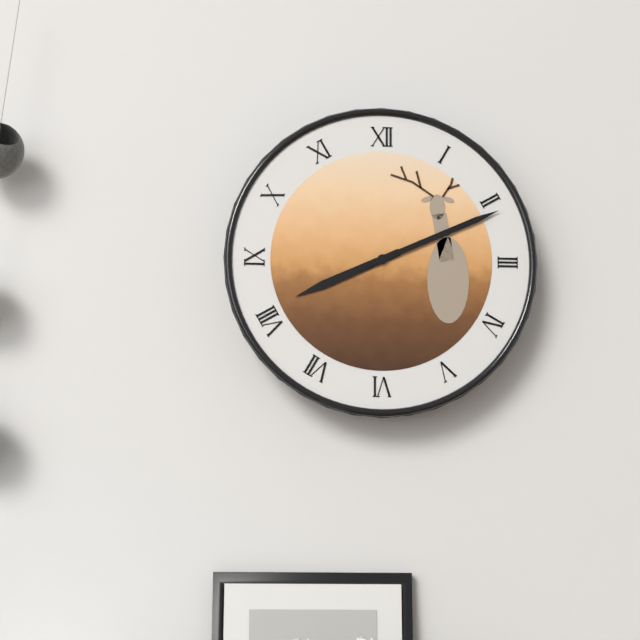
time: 8:11
